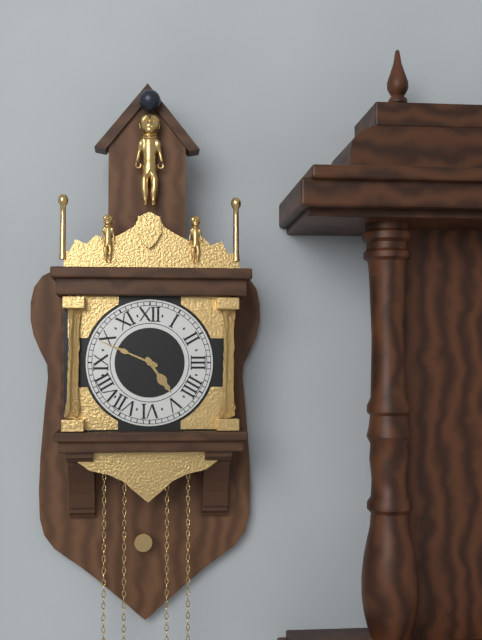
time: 4:49
